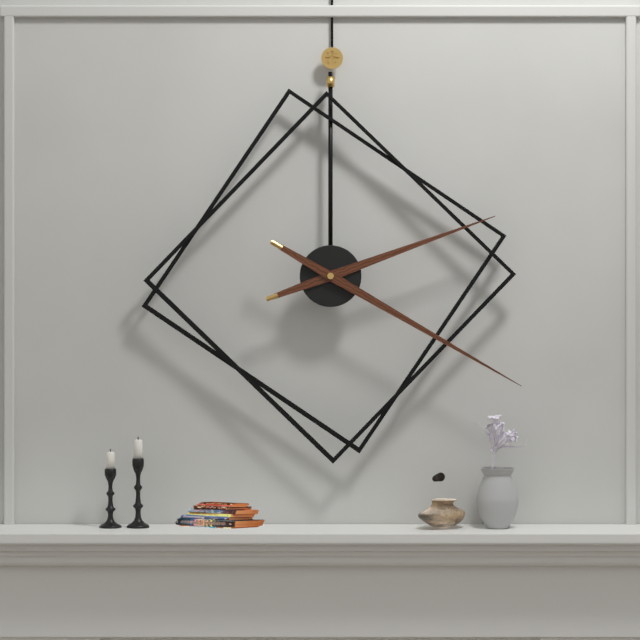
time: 2:20
